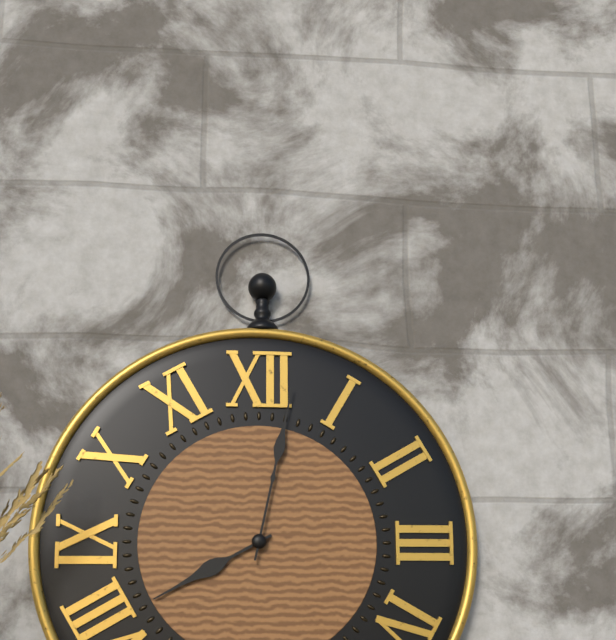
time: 8:02
